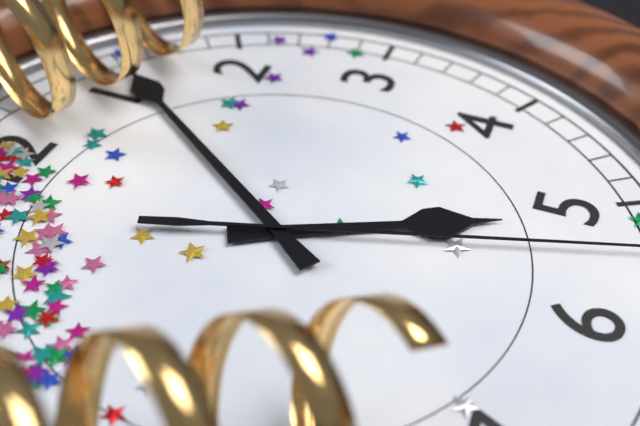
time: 5:06
